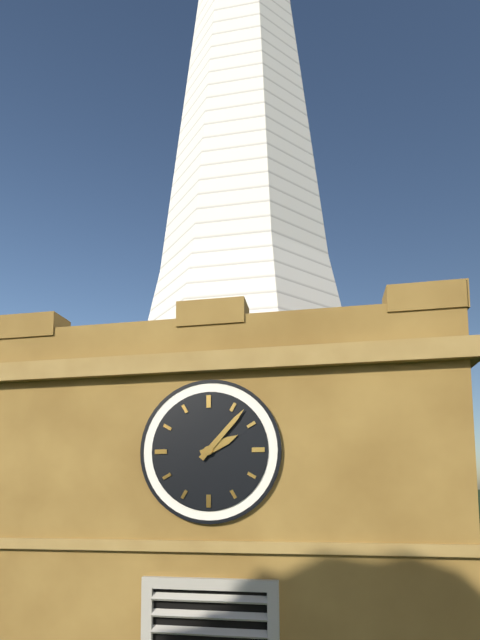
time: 2:07
